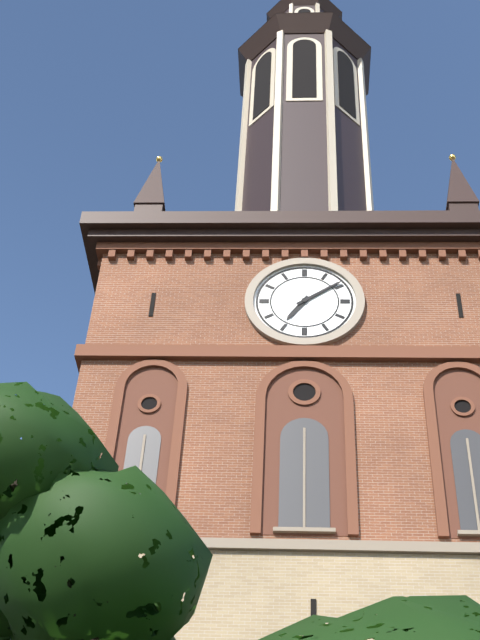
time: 7:09
